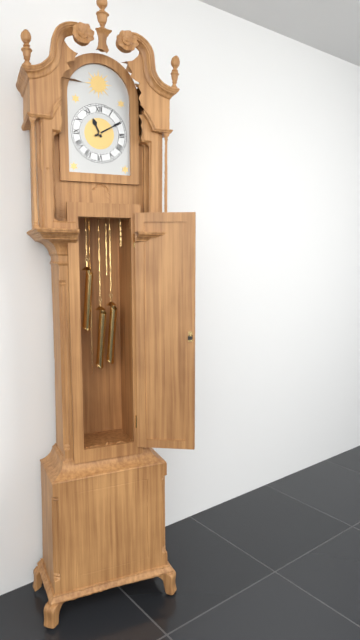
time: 11:10
